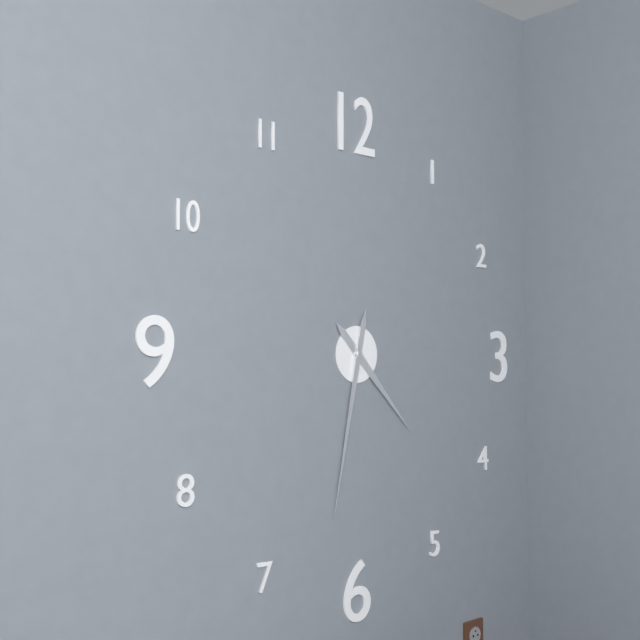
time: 4:32
